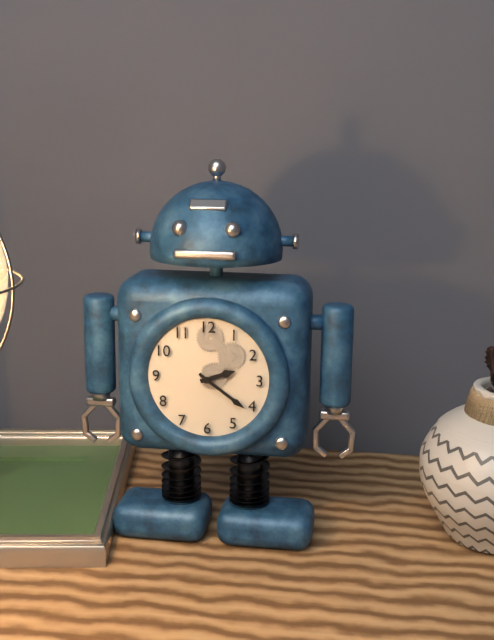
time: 2:21
